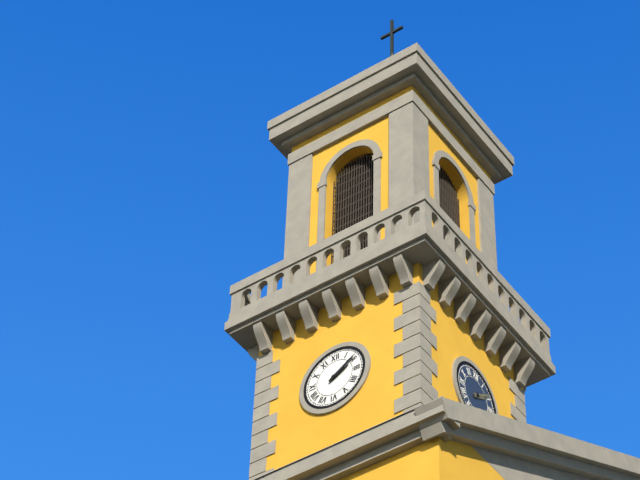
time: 2:09
